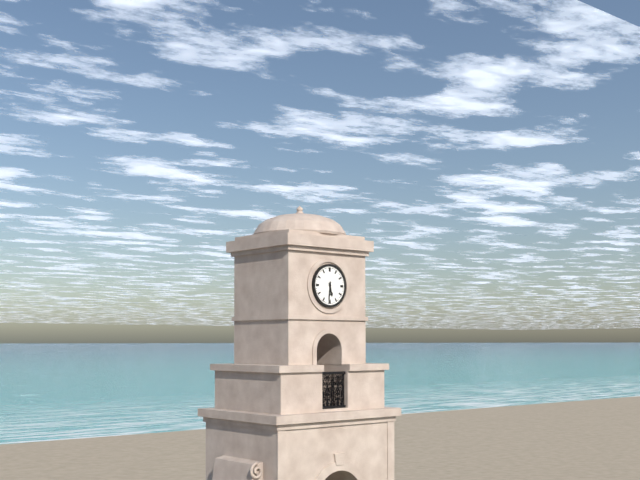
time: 5:31
